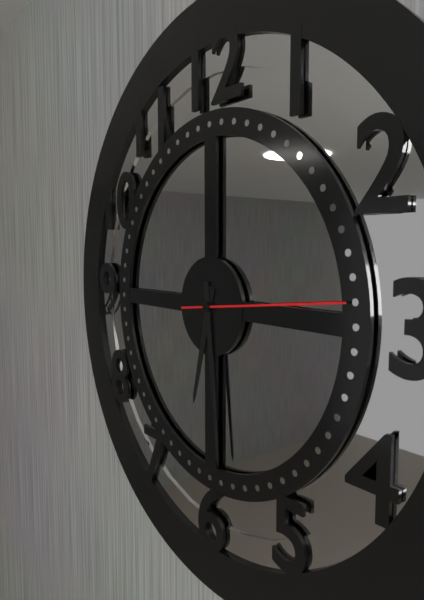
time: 6:29:14
